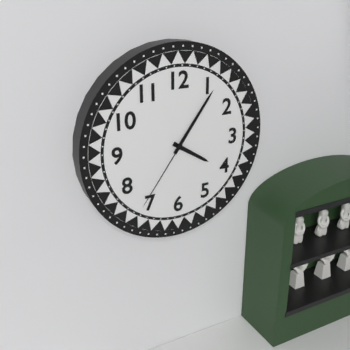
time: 4:06:36
